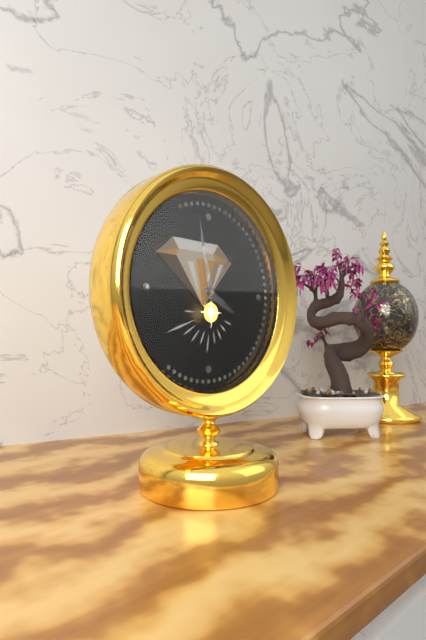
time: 3:58:06
